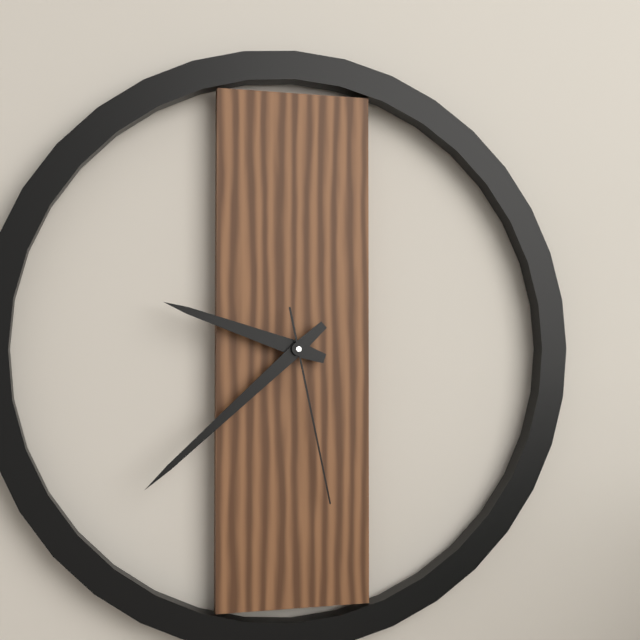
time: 9:38:28
